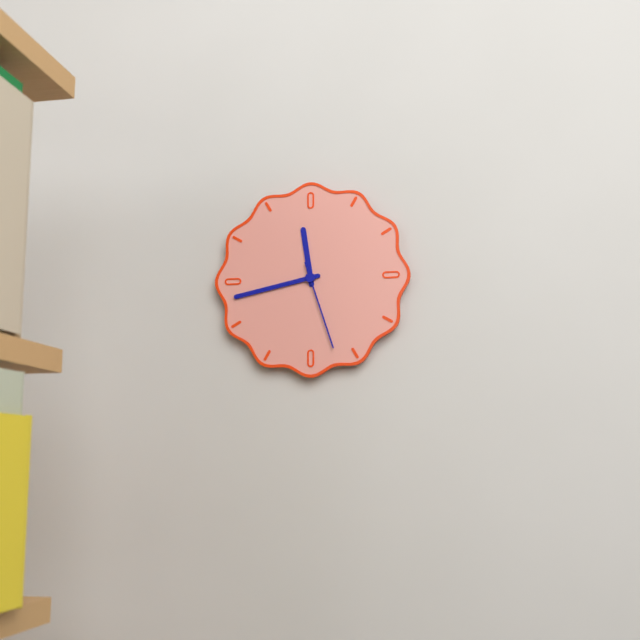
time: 11:43:27
